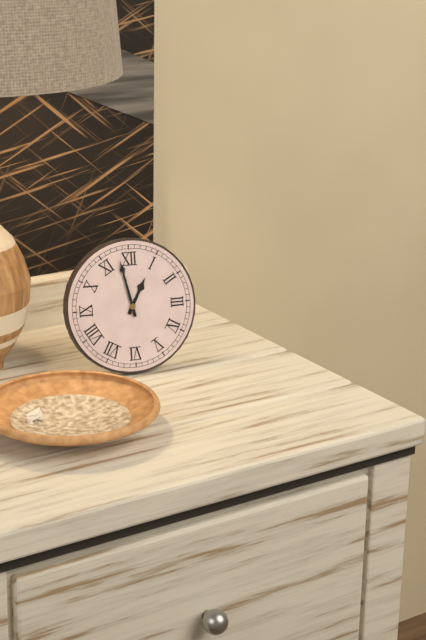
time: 12:58
